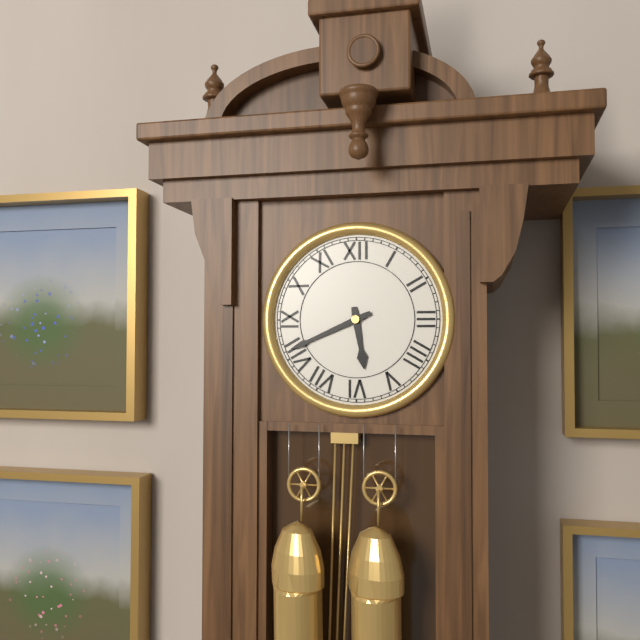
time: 5:41
